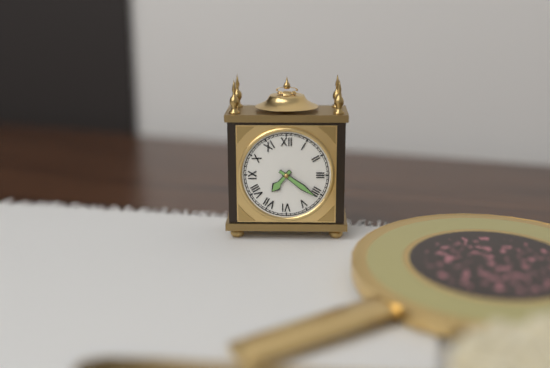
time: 7:21
